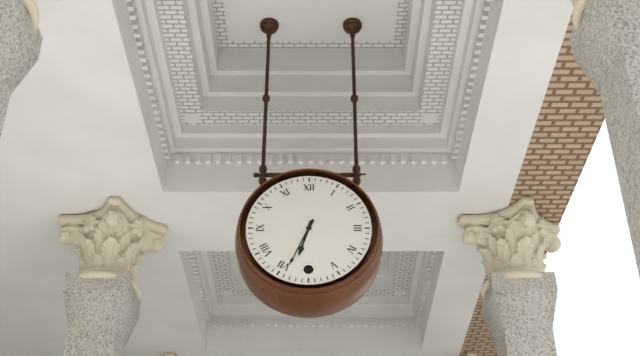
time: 6:34
